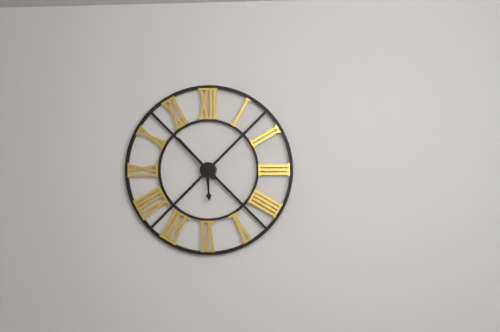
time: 5:53
